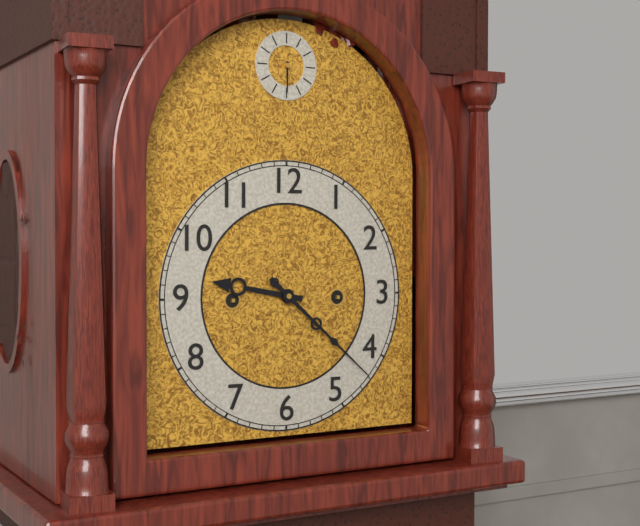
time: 9:22
